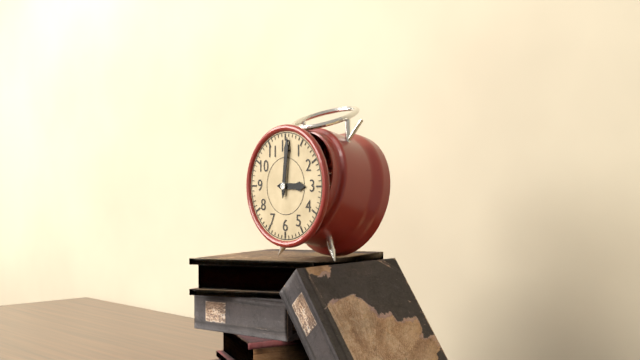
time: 3:01
